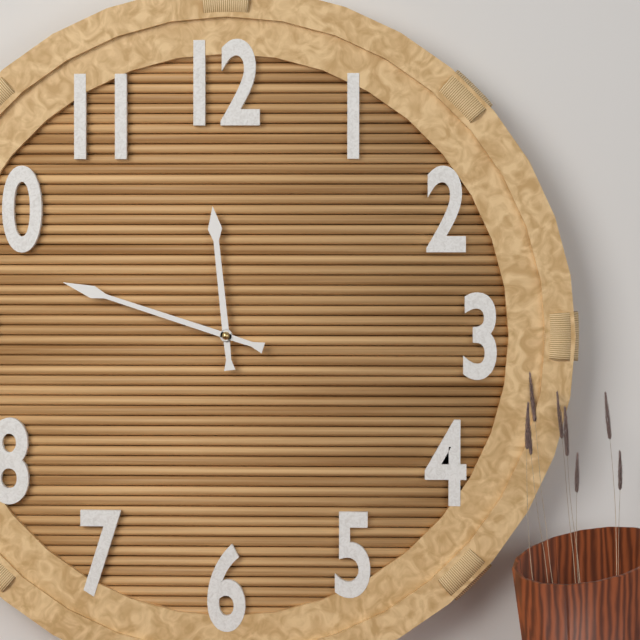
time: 11:48
